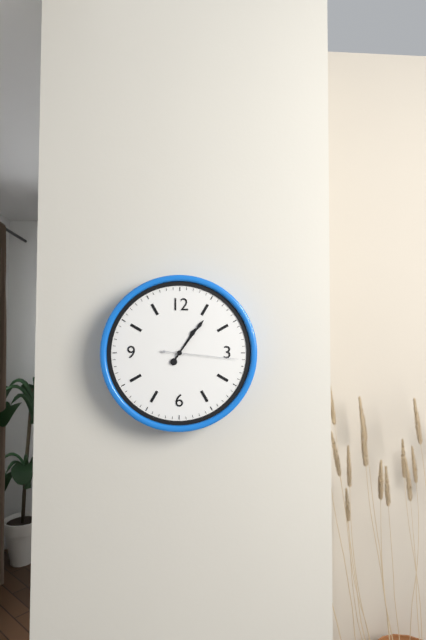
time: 1:06:16
